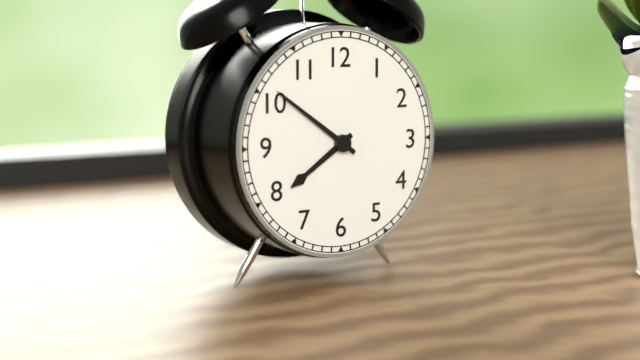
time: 7:51
